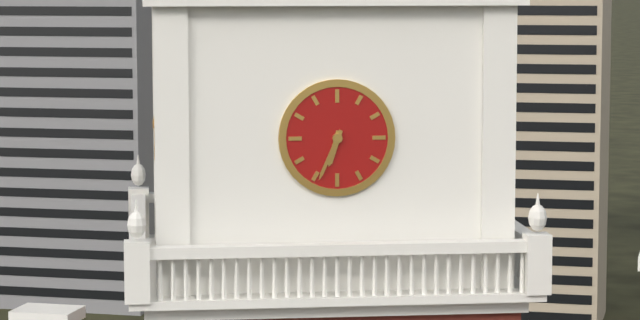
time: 6:34
